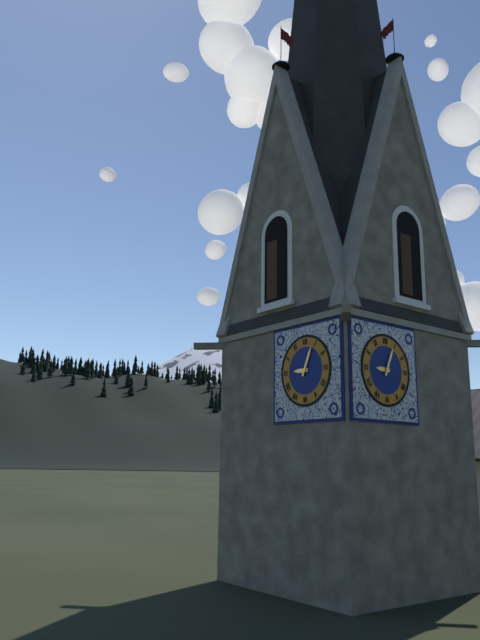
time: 9:04
